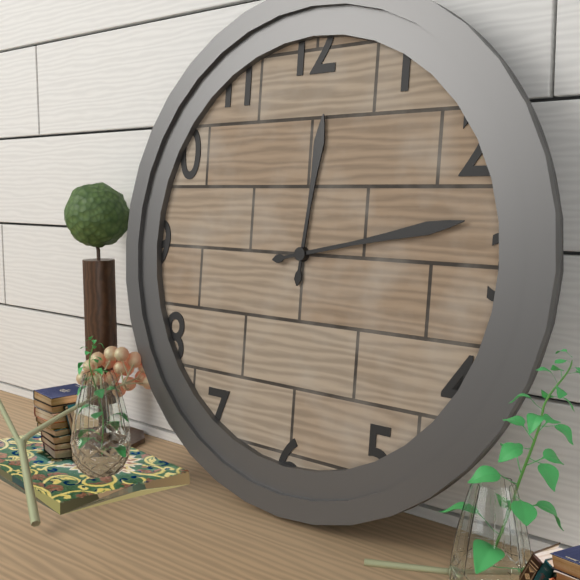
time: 12:13
